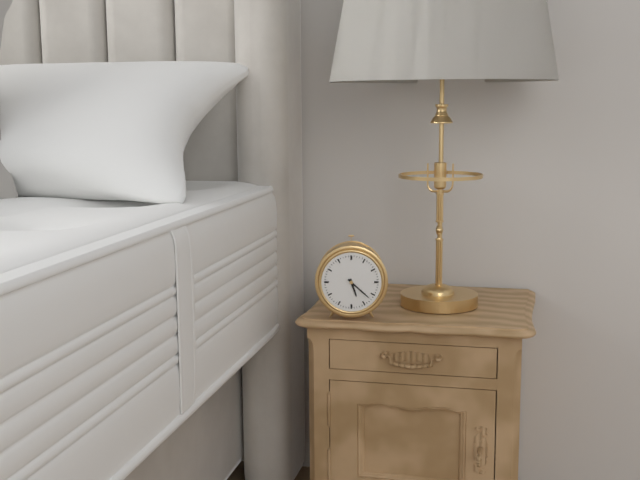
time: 5:22
